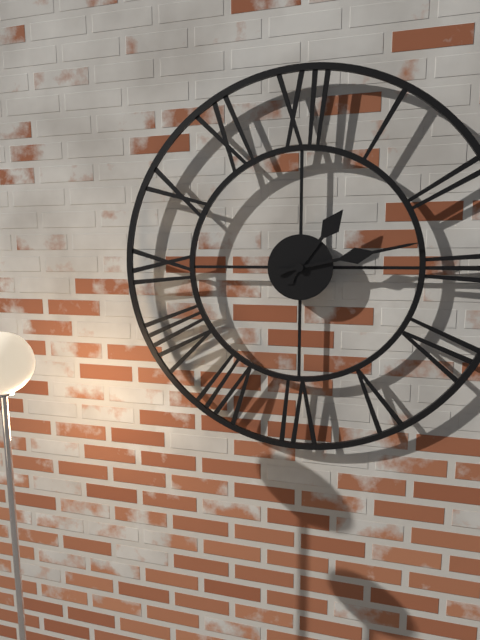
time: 1:13
